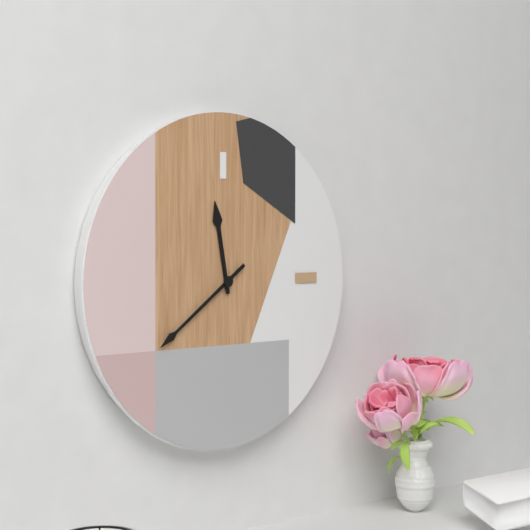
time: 11:39
